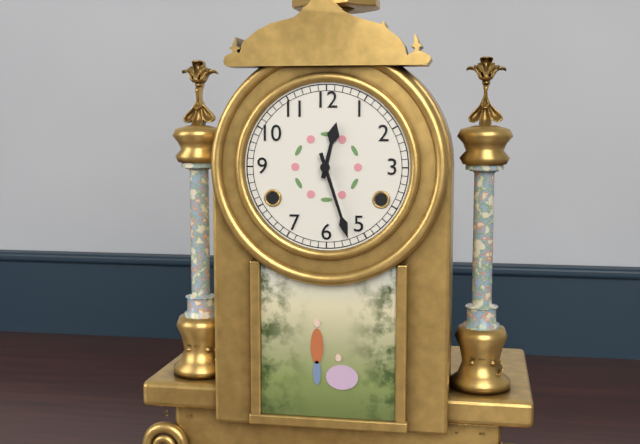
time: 12:27
